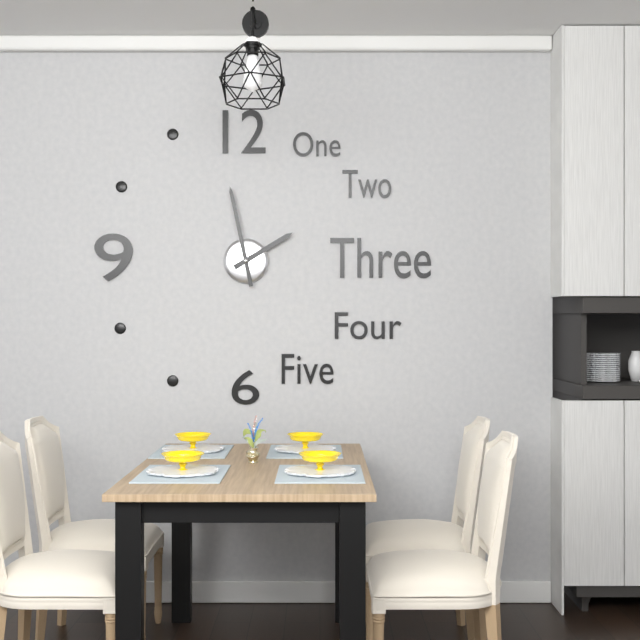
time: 1:58
